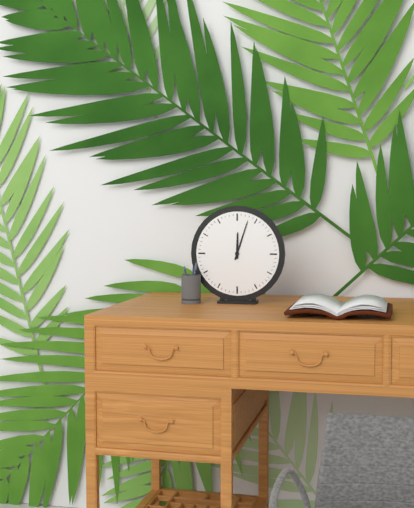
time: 12:03
